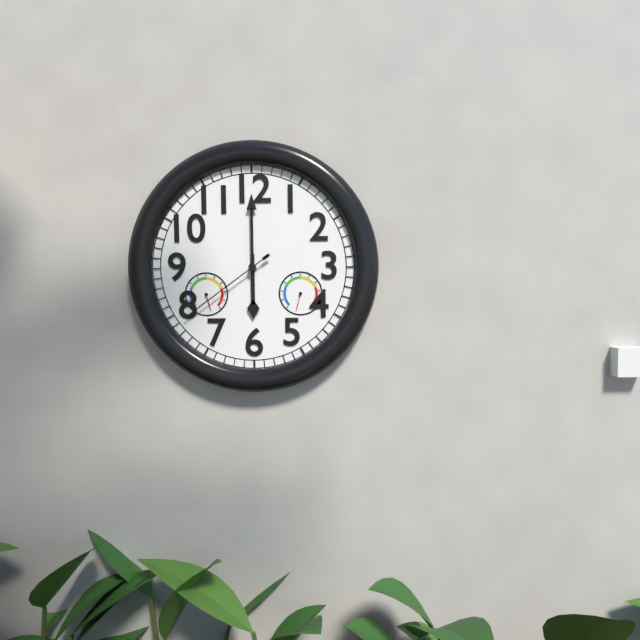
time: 6:00:39
